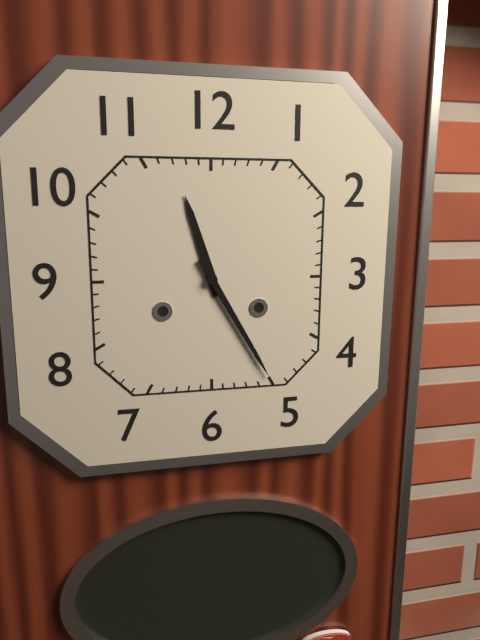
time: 11:25
